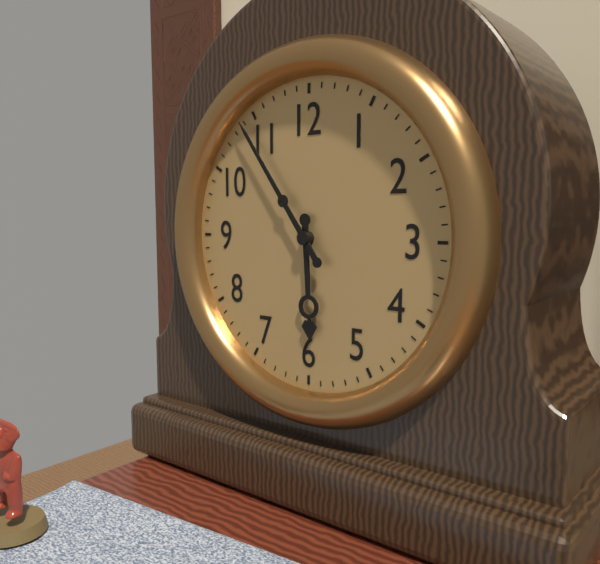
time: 5:54
